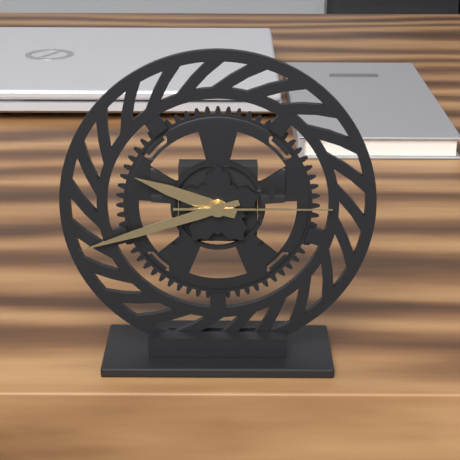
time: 9:42:15
